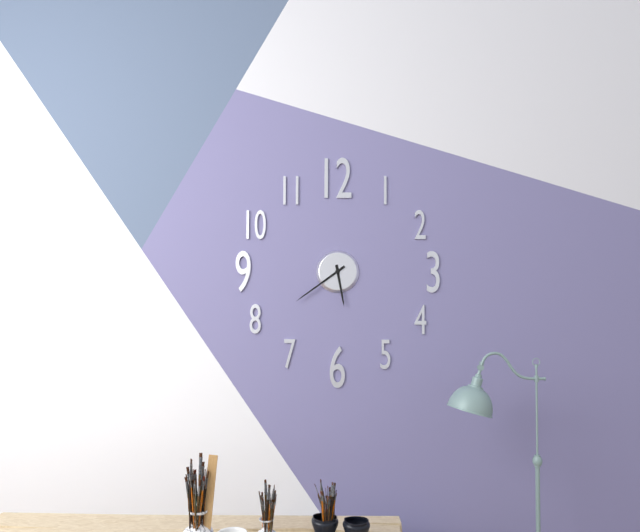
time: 5:39
